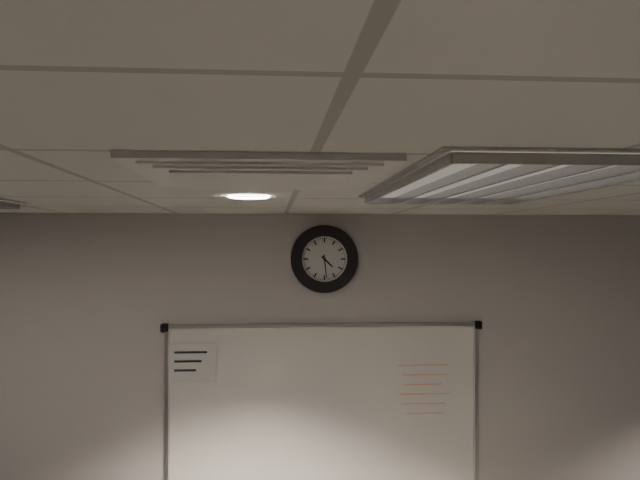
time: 4:29
